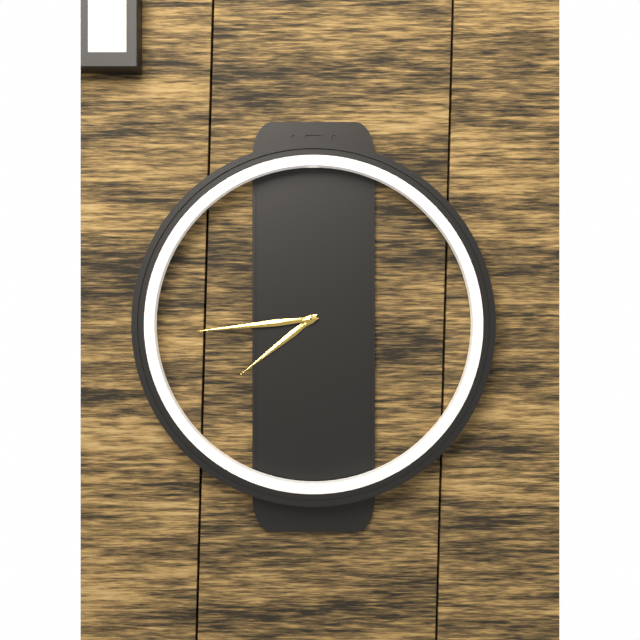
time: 7:44
